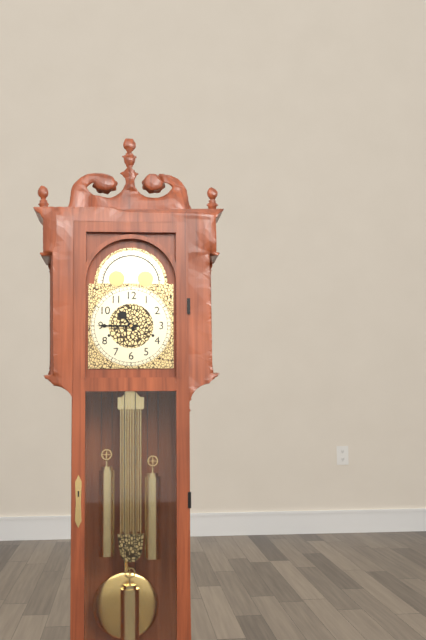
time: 10:45
